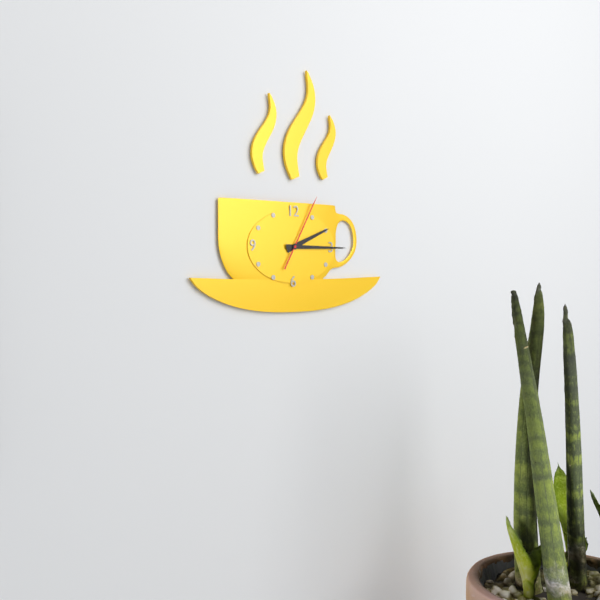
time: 2:15:05
